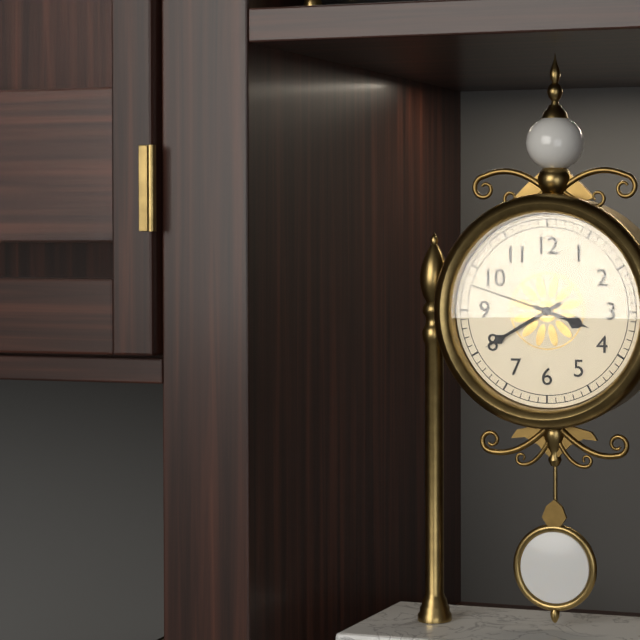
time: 3:40:48
